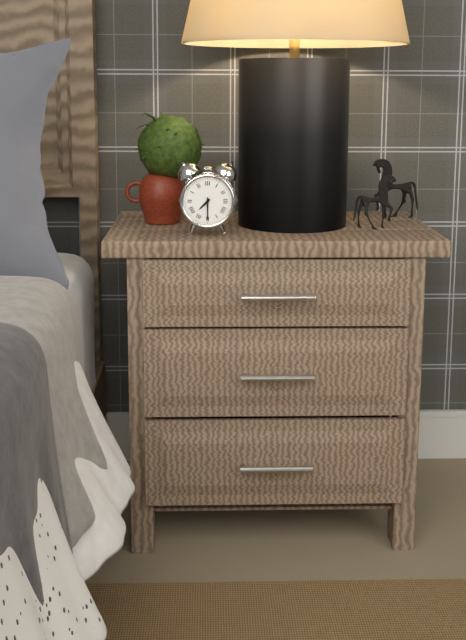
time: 7:30
